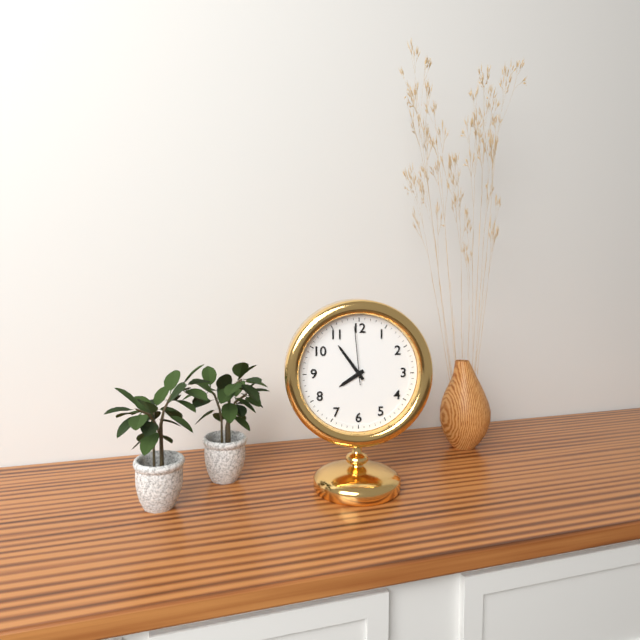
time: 7:54:59
